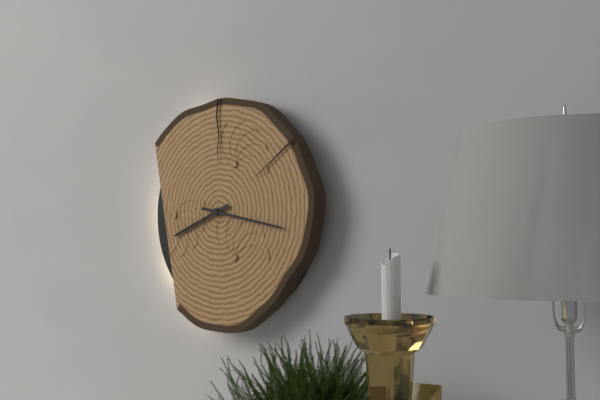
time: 8:17
